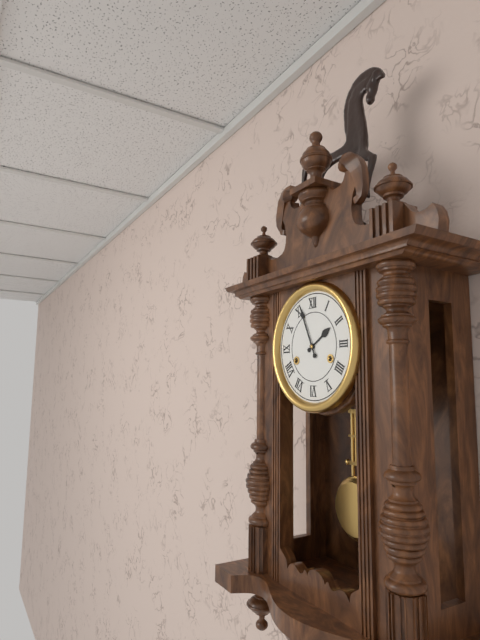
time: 1:56
